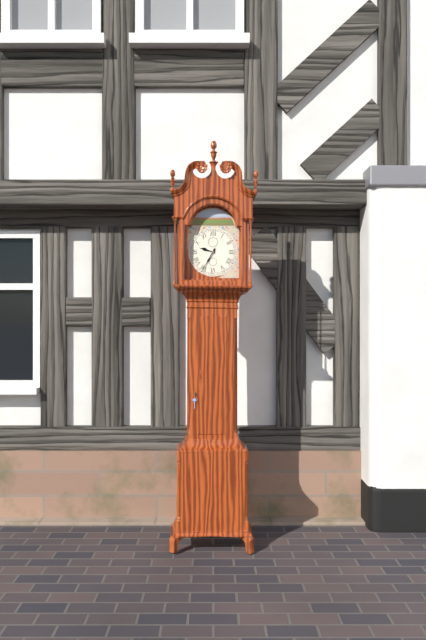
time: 9:35
